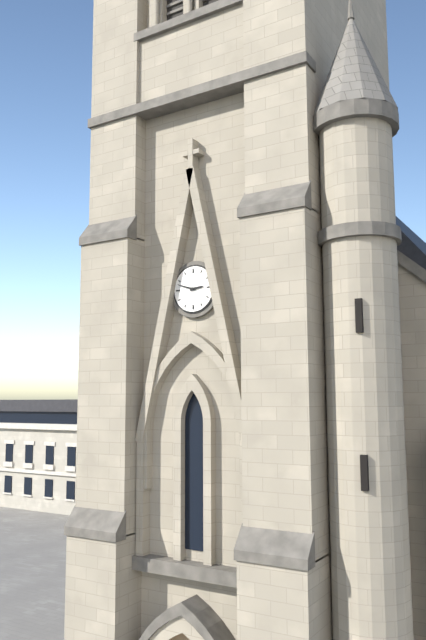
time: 2:48
